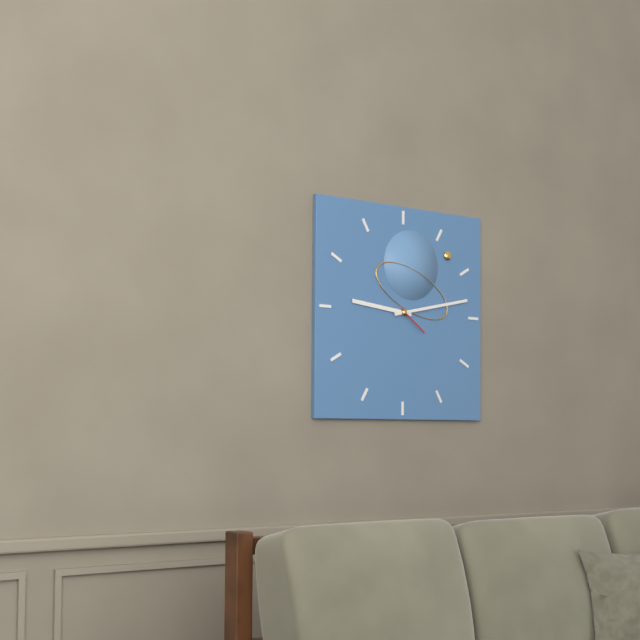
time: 9:13
